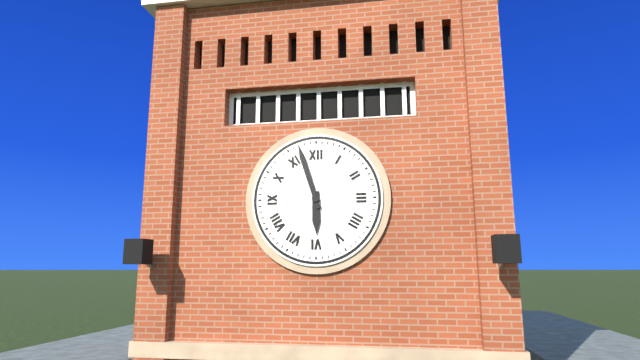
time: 5:57
